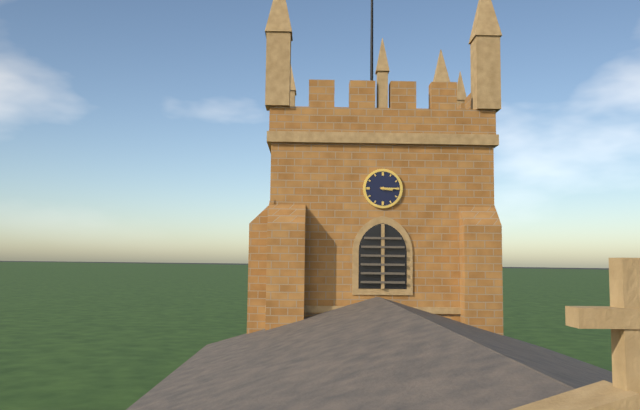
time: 3:15
